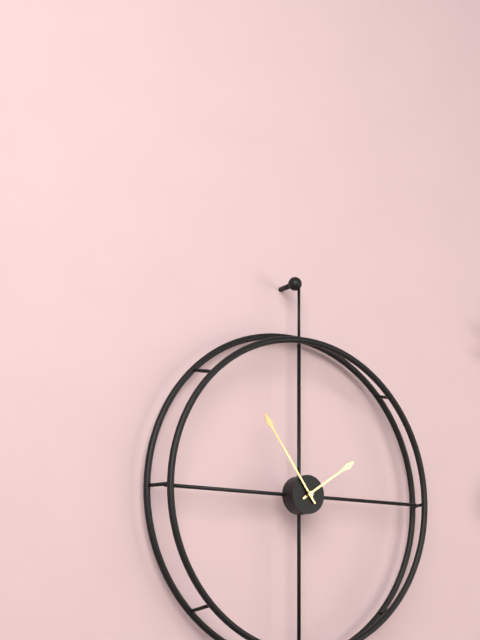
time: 1:54
